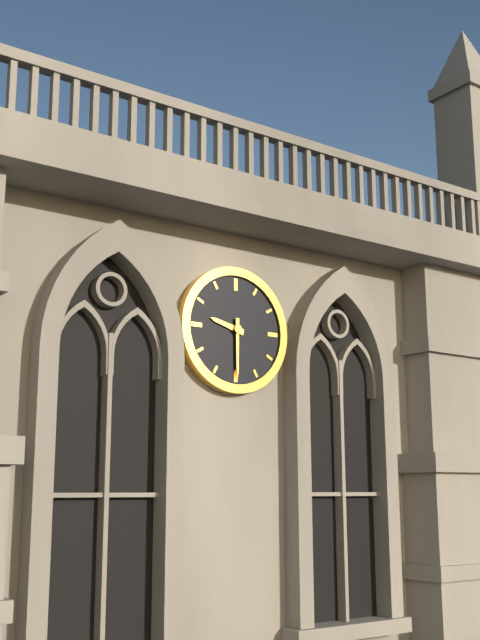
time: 9:30
